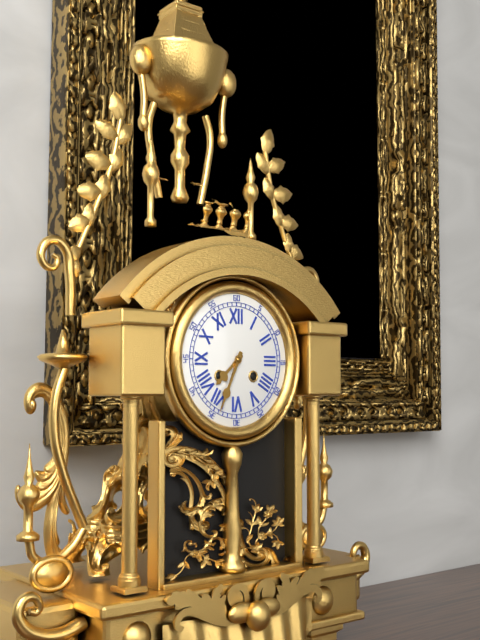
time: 7:34
